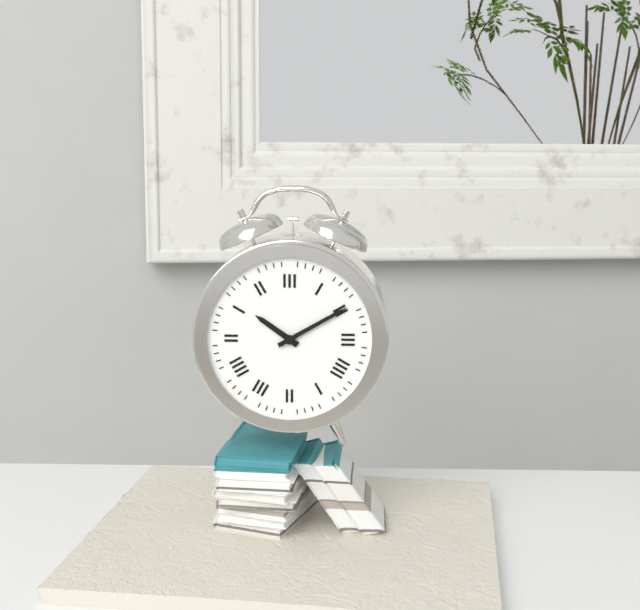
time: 10:10
